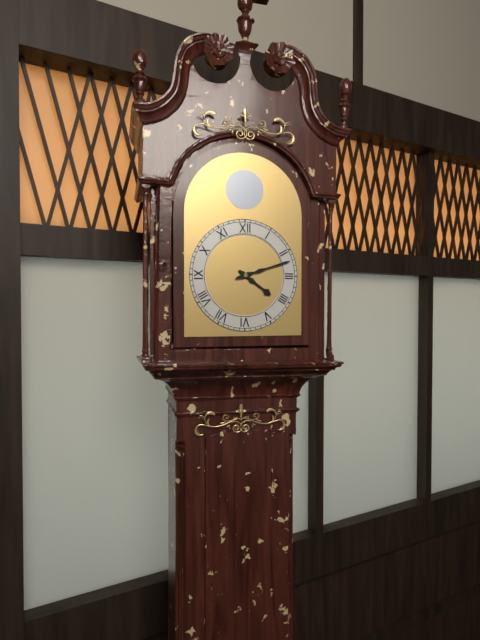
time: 4:12
